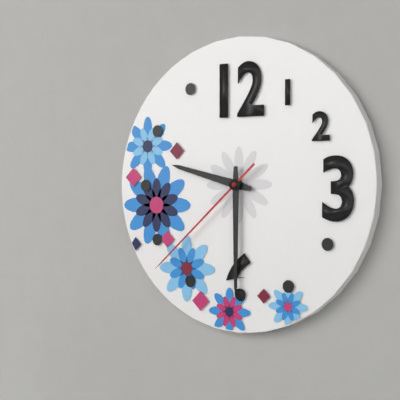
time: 9:30:38
